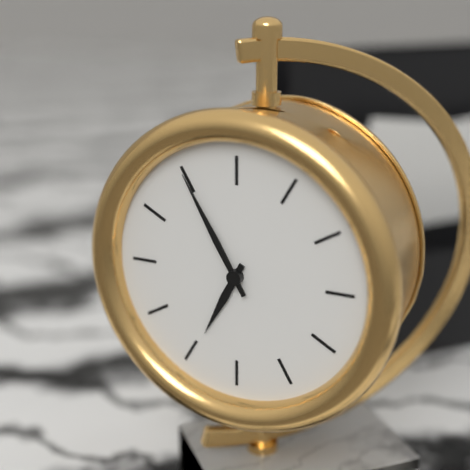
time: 6:55
